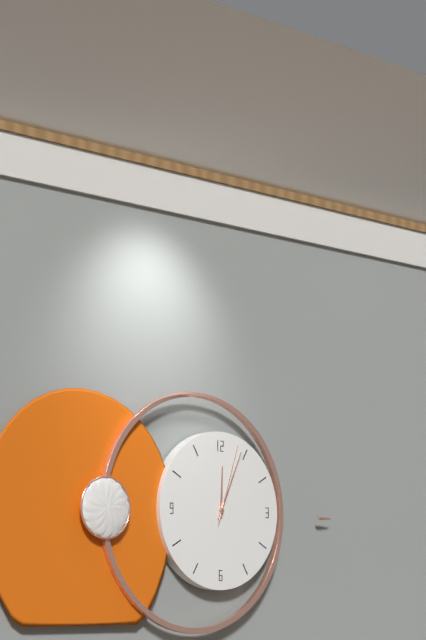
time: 12:04:03
